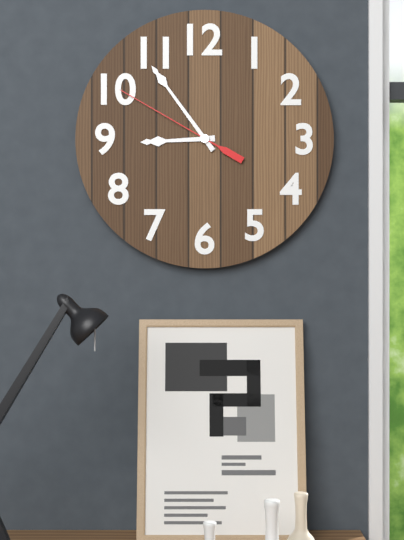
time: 8:54:50
